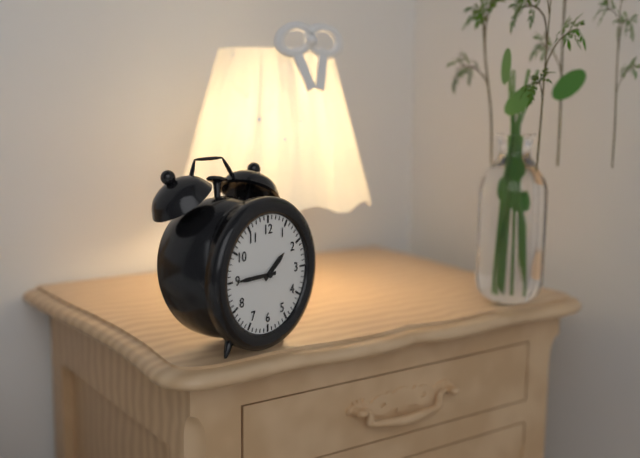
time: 1:45
